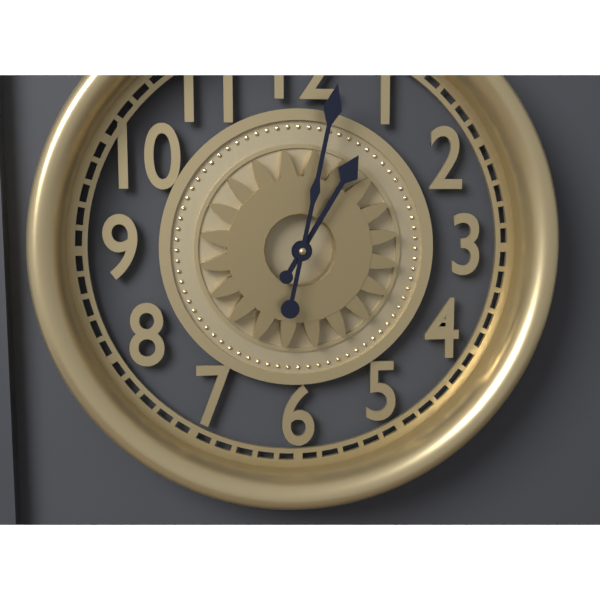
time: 1:02
